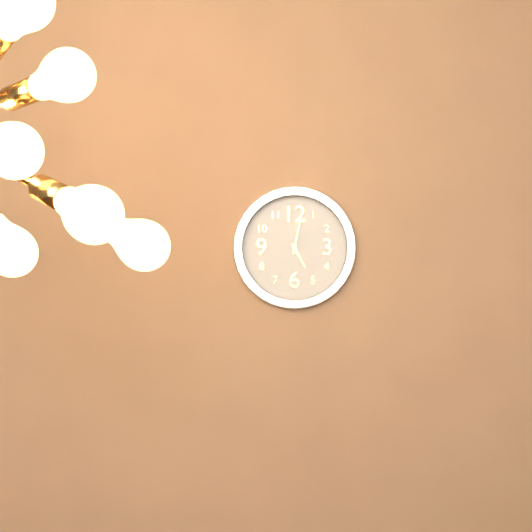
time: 5:02
